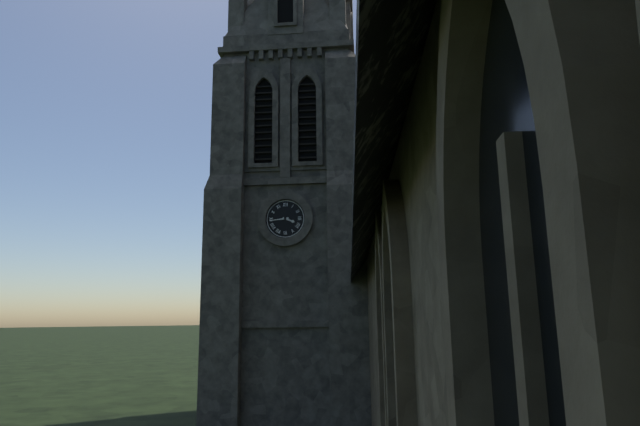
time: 3:44
